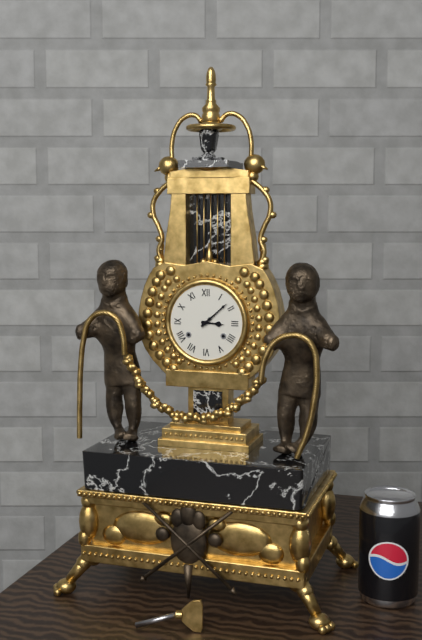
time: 3:08
